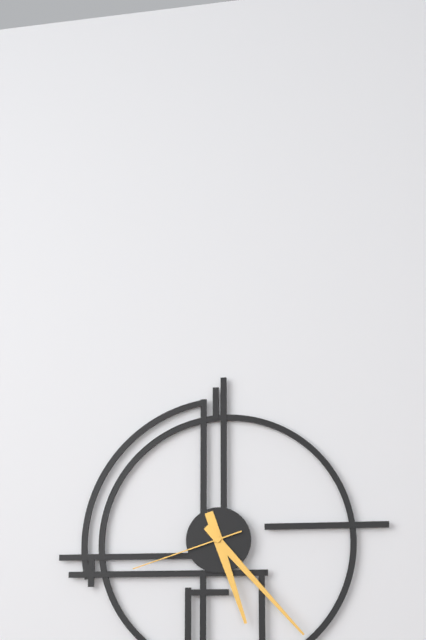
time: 5:23:42
